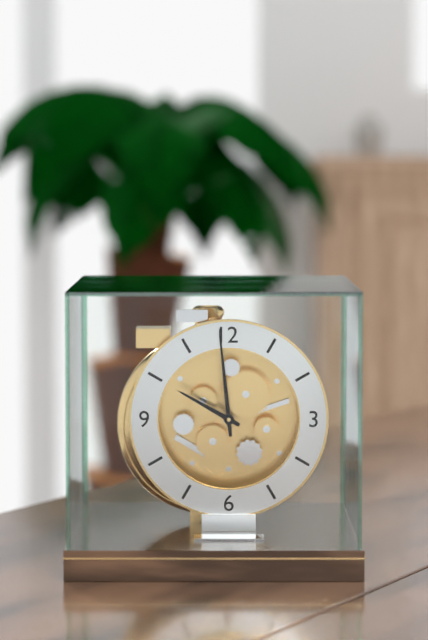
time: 9:59
